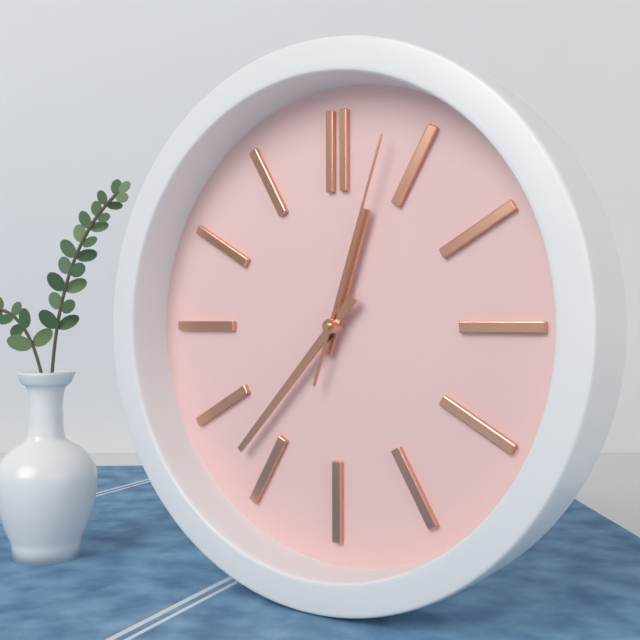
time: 12:37:03
